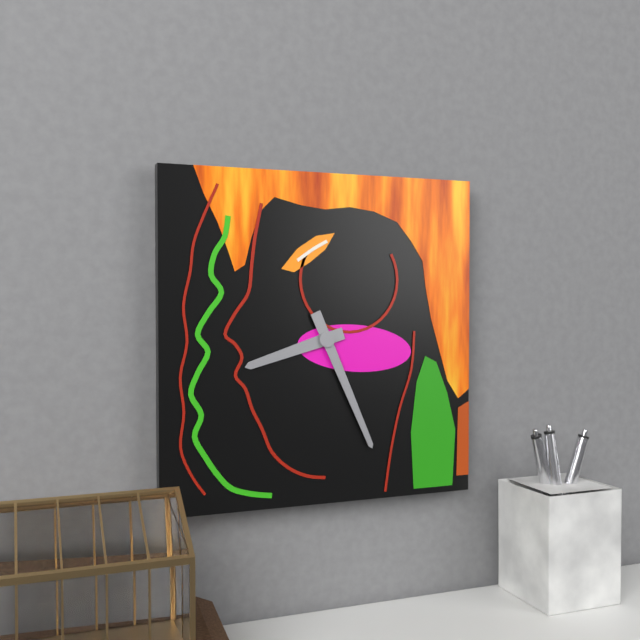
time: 8:26
